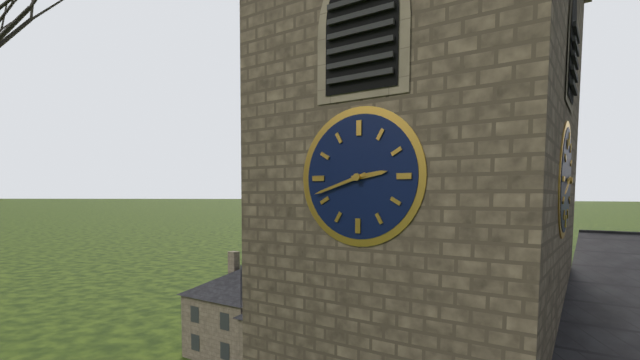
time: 2:42
